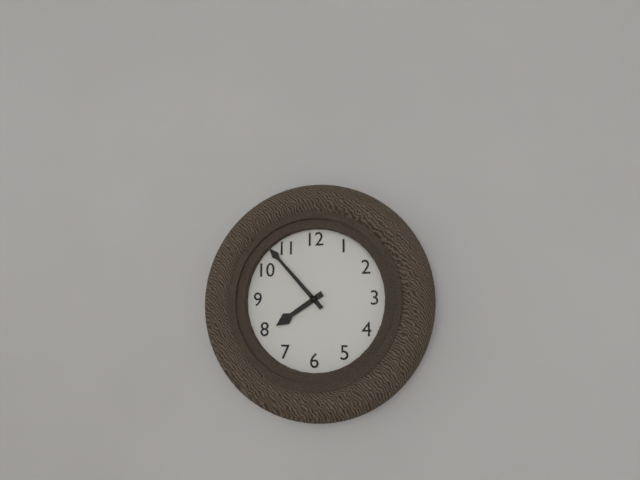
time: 7:53
